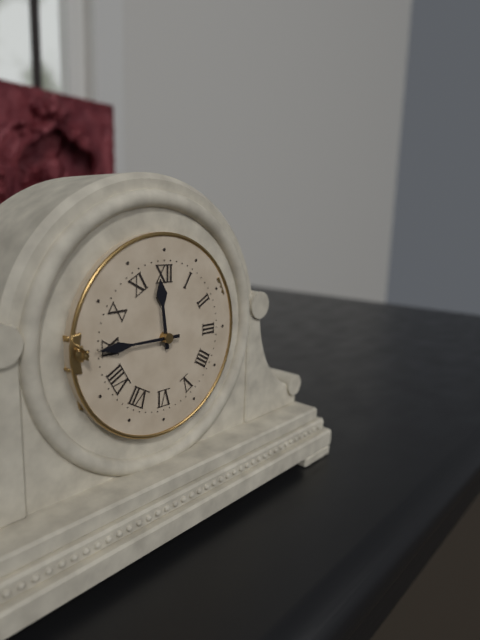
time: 11:45
